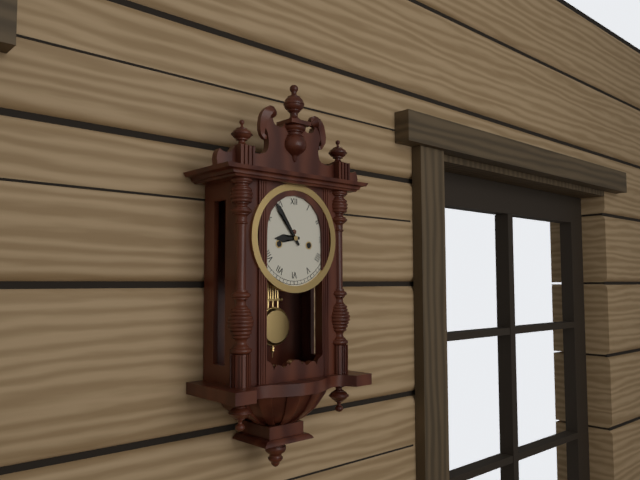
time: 8:54
